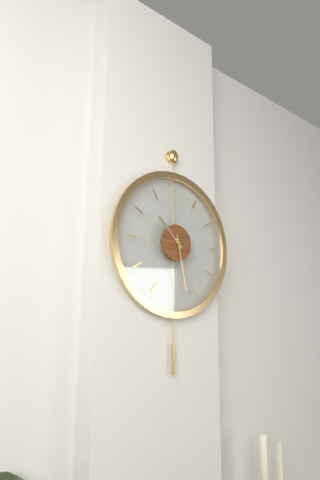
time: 10:28
